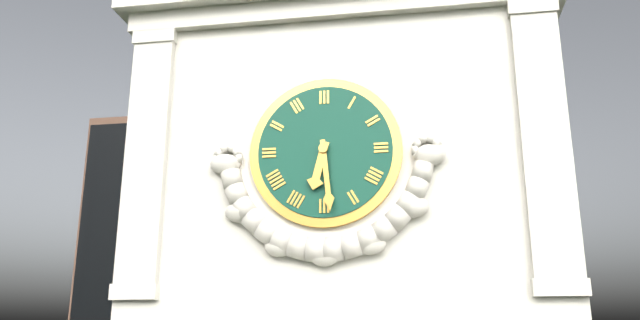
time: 6:29
